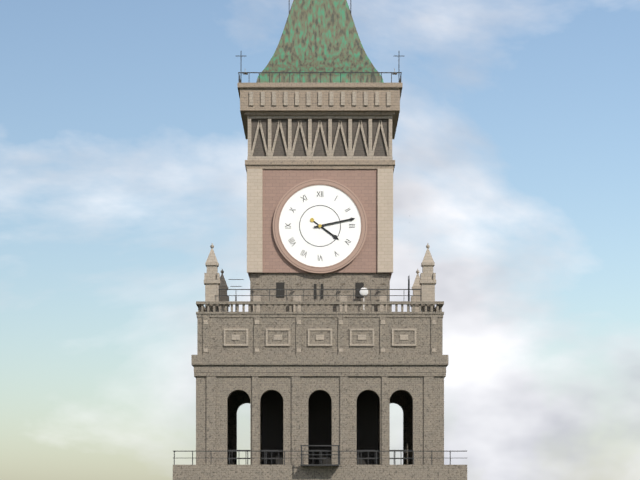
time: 4:13
